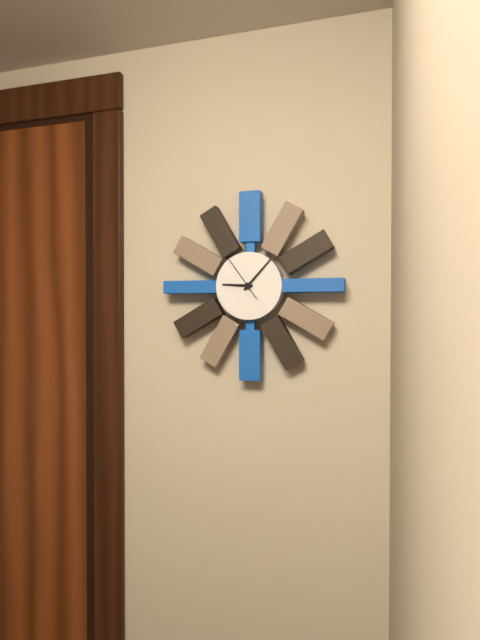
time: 9:07
